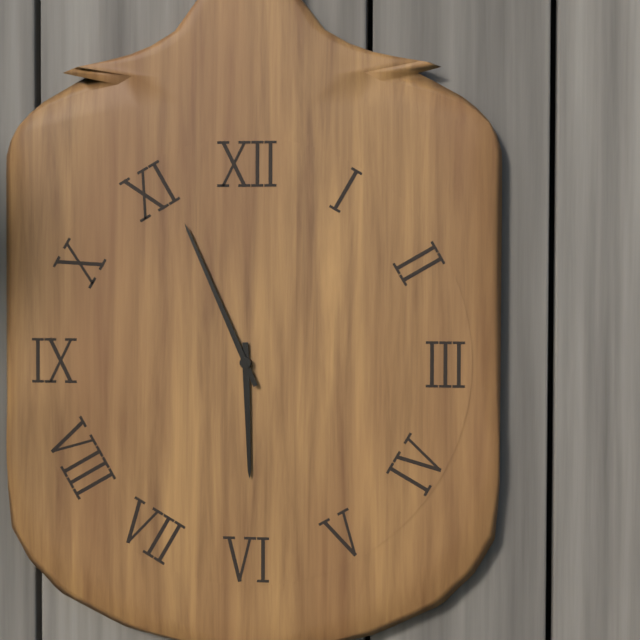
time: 5:56
